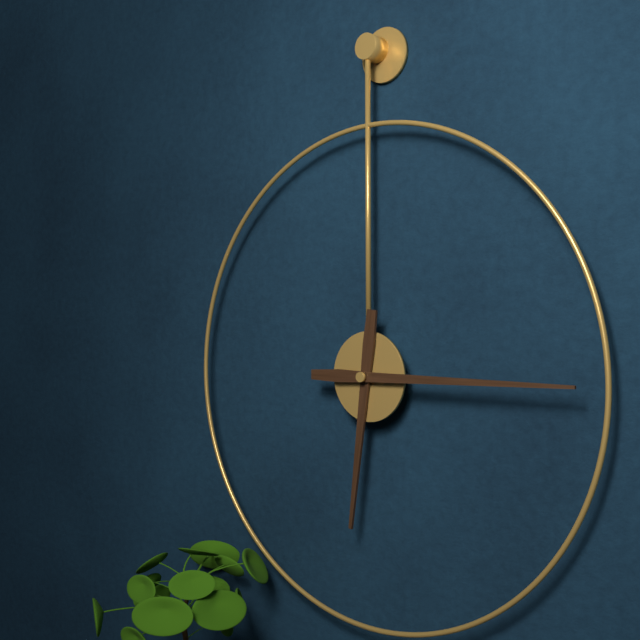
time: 6:15
